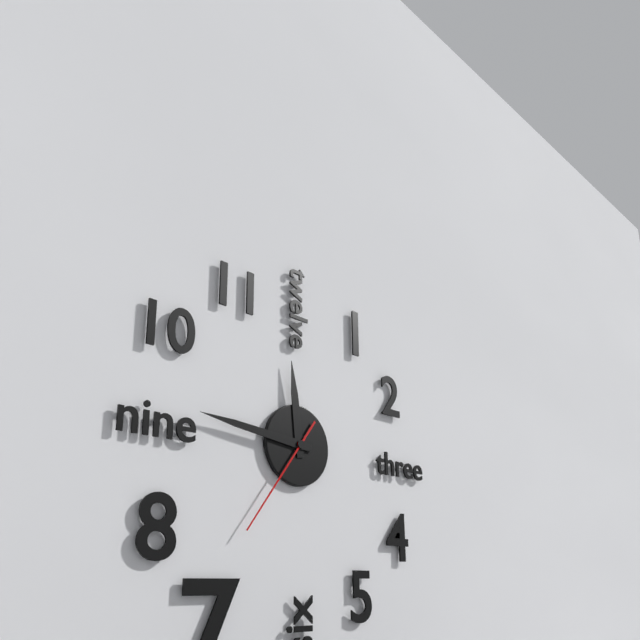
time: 11:46:36
